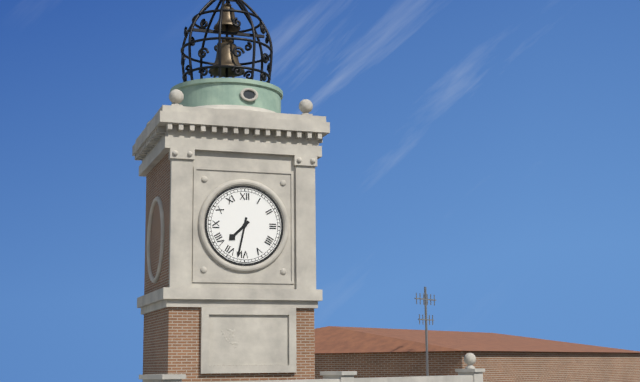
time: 7:32
